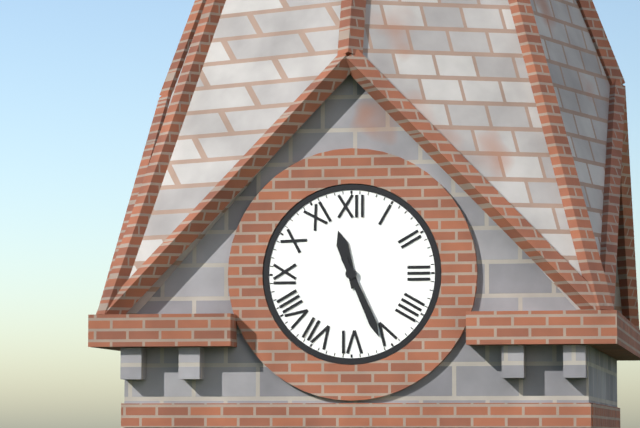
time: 11:26
